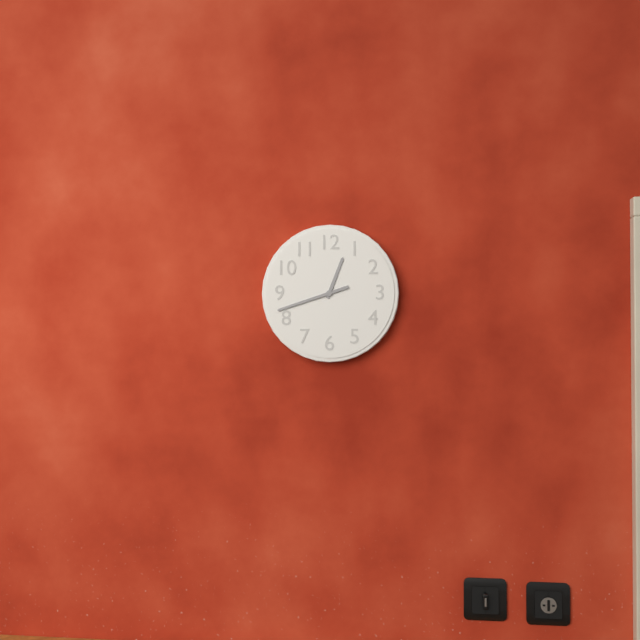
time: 12:42
